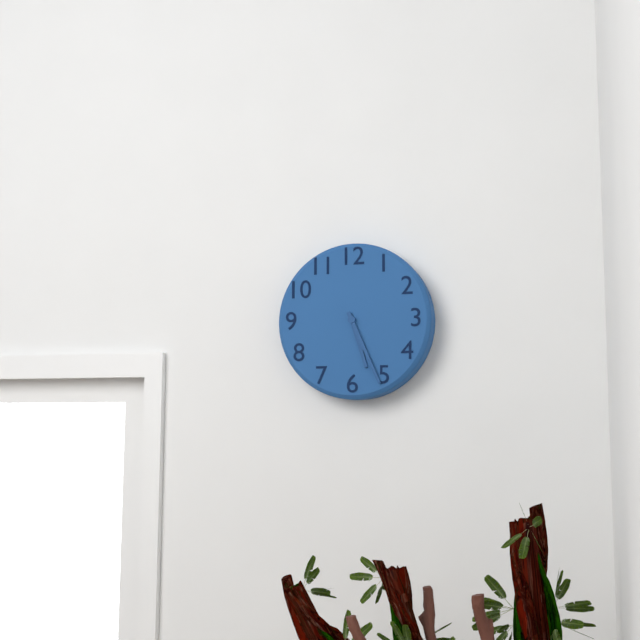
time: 5:26
